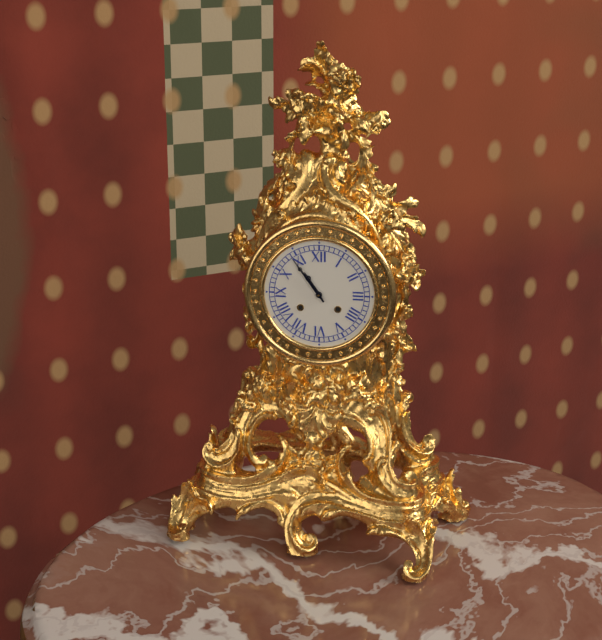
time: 10:54
